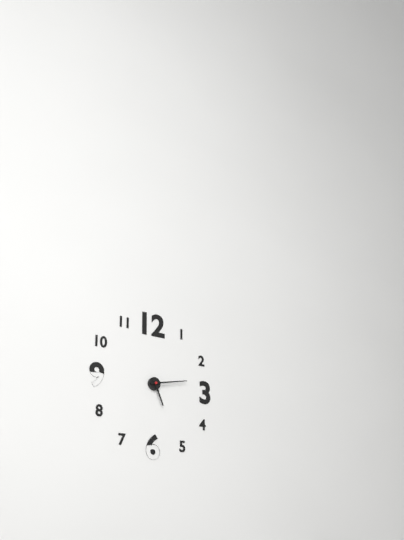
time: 5:13
